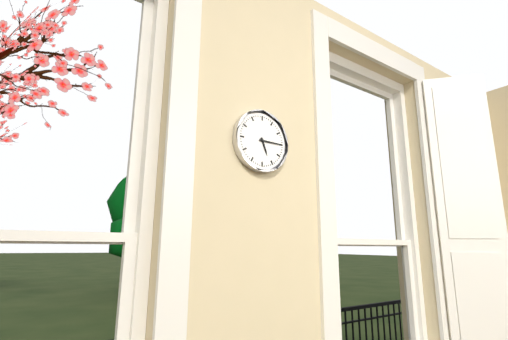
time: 5:15
